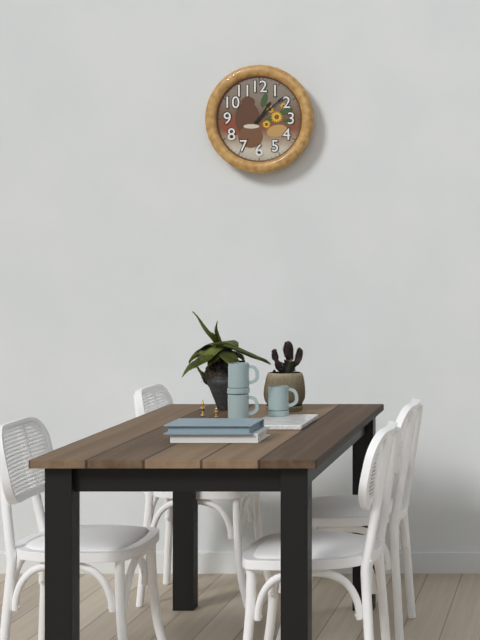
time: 1:08
